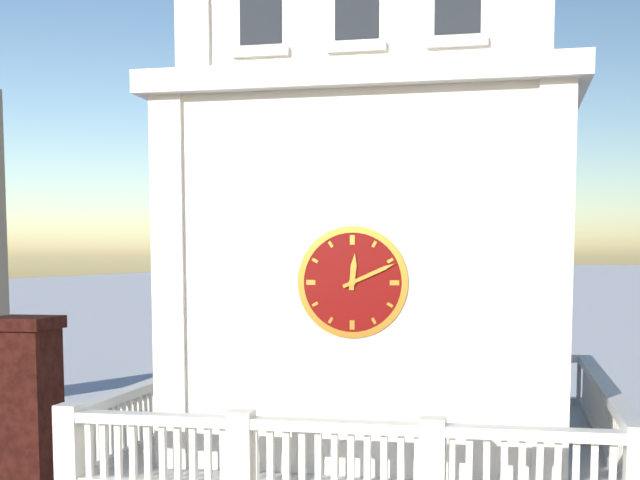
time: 12:11
